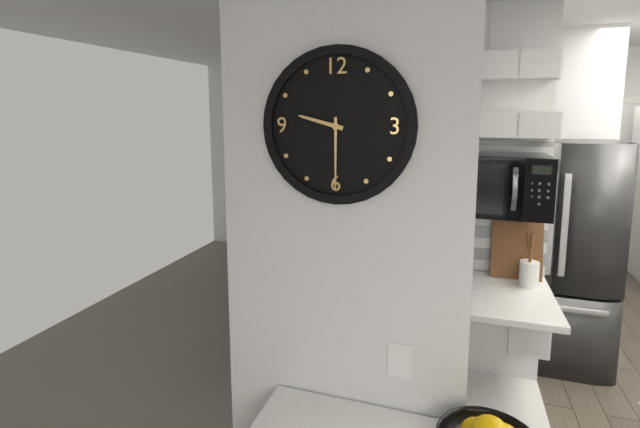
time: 9:30
